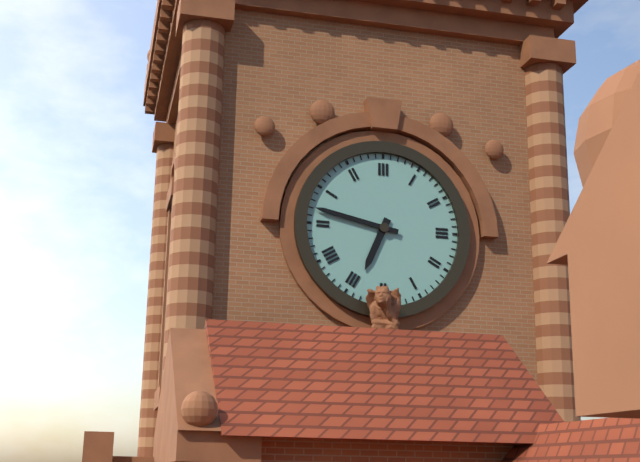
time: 6:47
